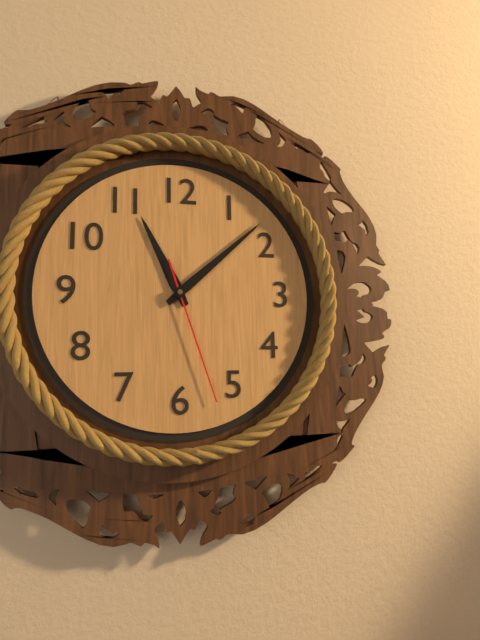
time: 11:08:27
